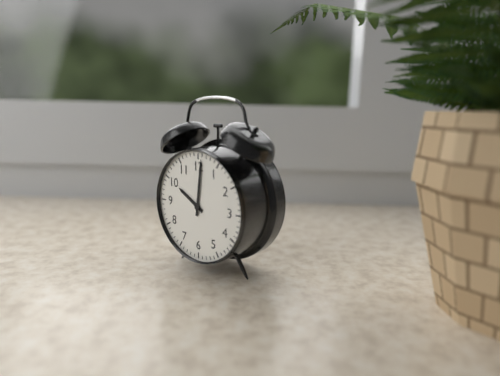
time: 10:01
